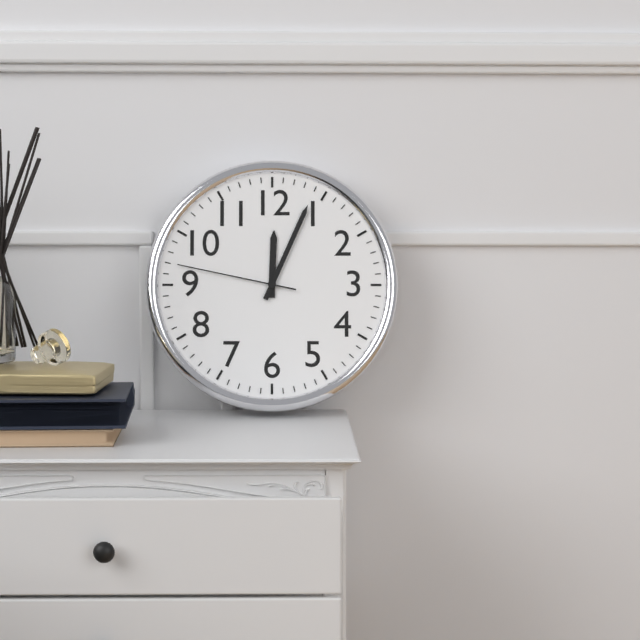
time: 12:04:47
